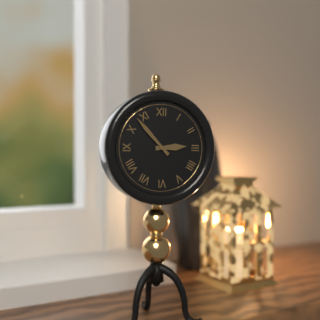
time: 2:53
